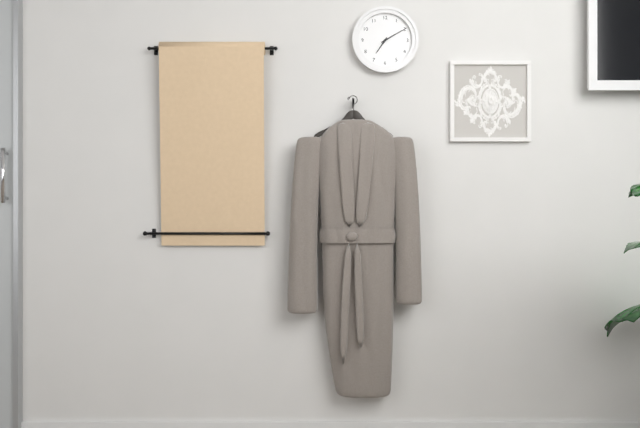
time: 7:10
